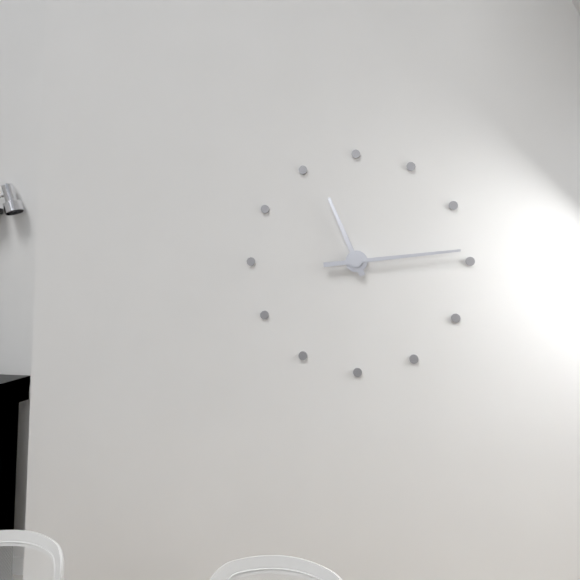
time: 11:14
